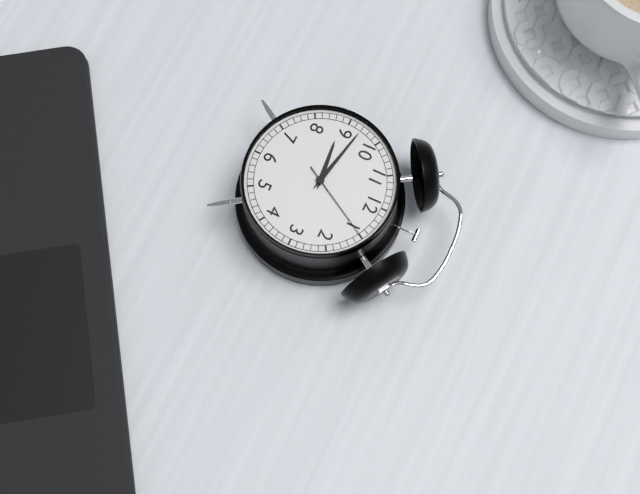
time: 8:47:05
